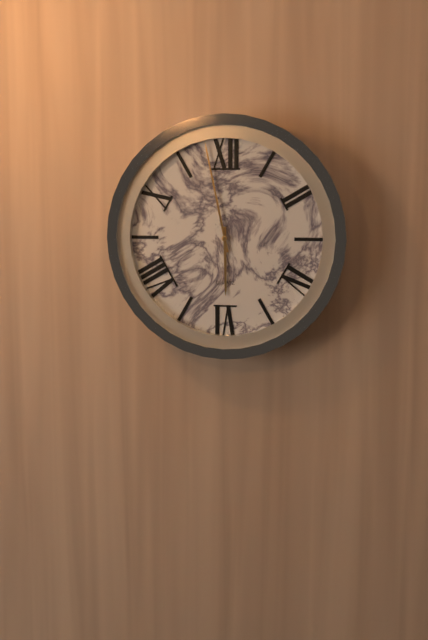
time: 5:58
